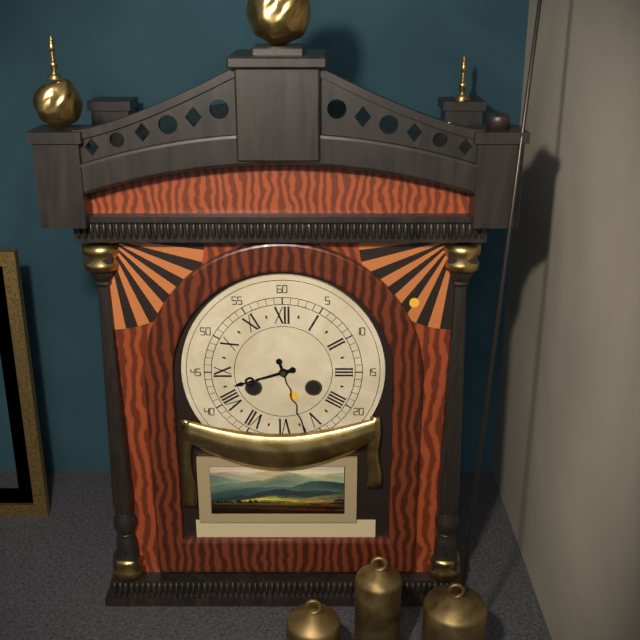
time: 8:27
